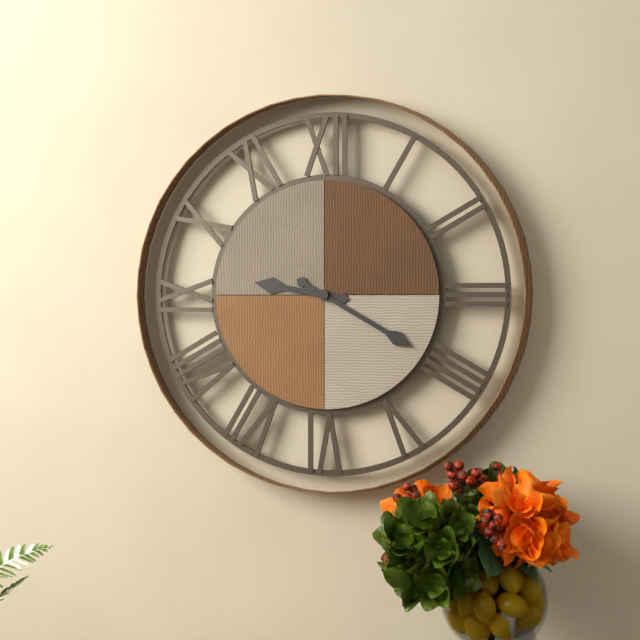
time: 9:20
